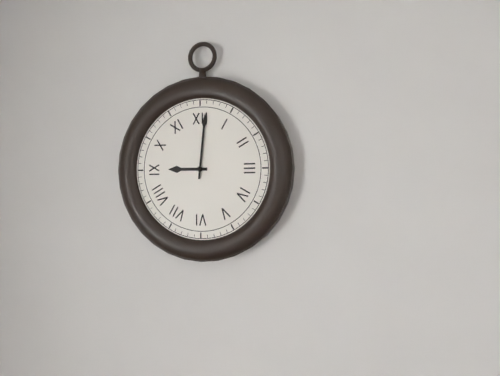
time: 9:01
